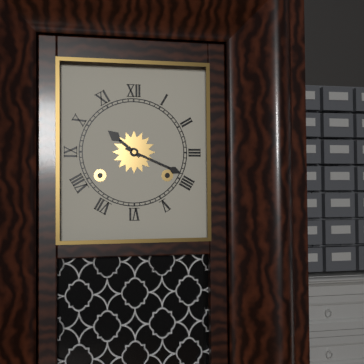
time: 10:19
